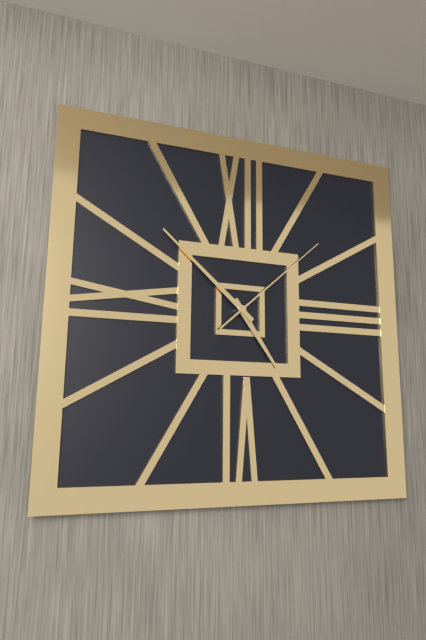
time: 4:52:08
